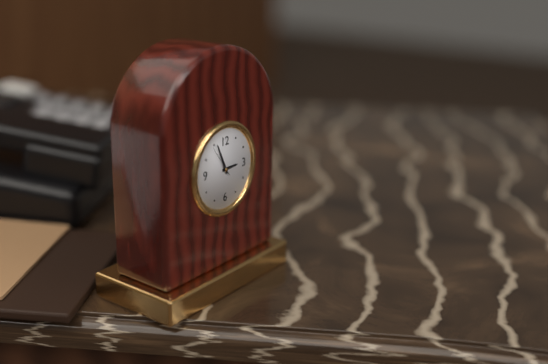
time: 2:56
